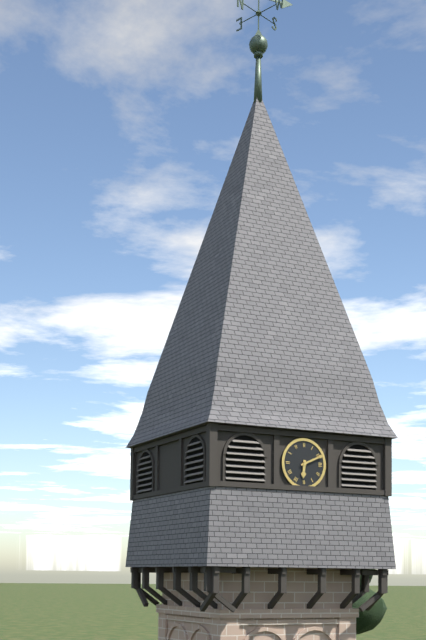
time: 6:11
